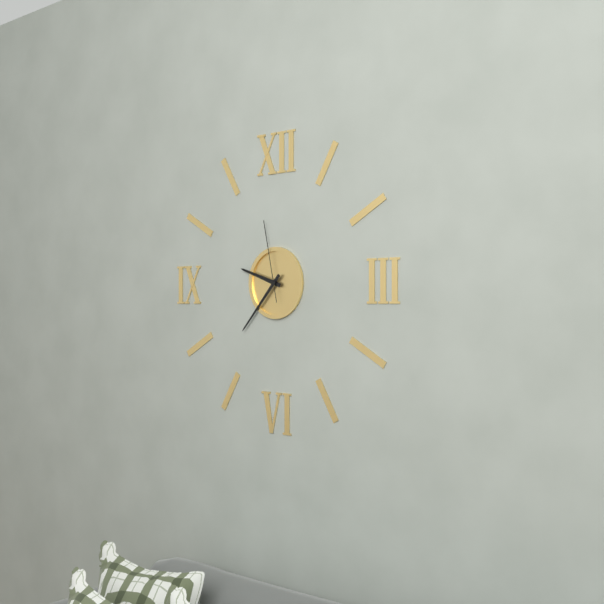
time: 9:37:58
